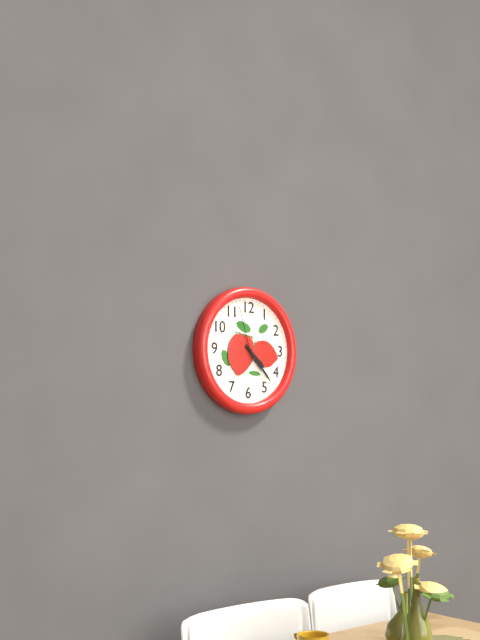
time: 4:23:57
